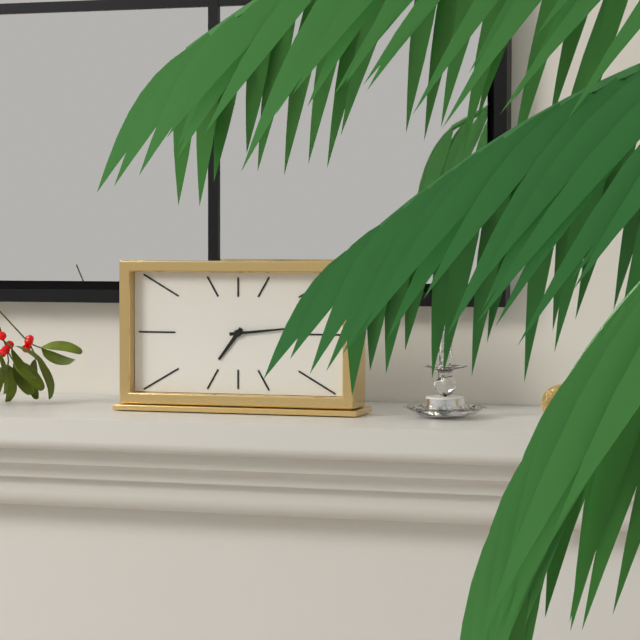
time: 7:14
